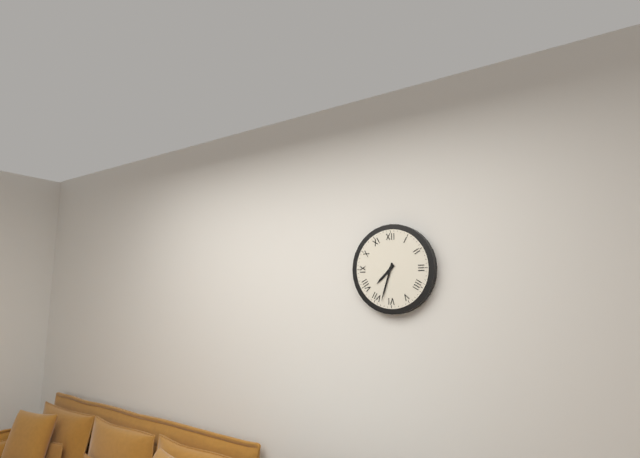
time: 7:33
